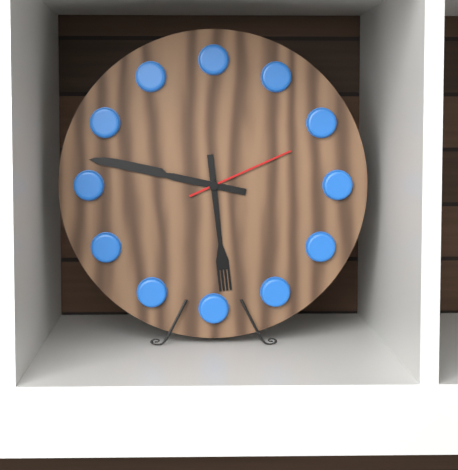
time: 5:47:11
